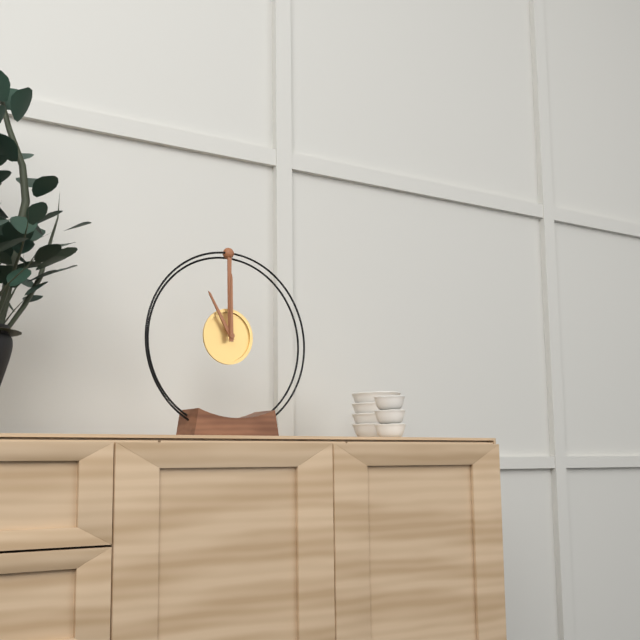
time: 11:00
